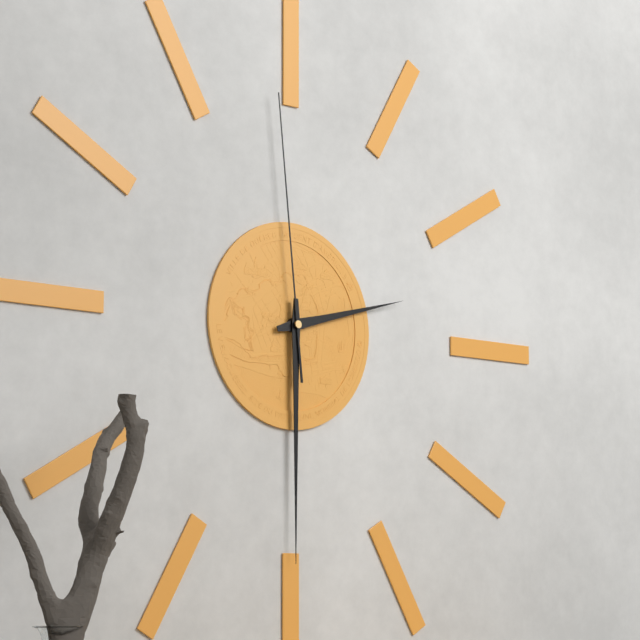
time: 2:30:59
